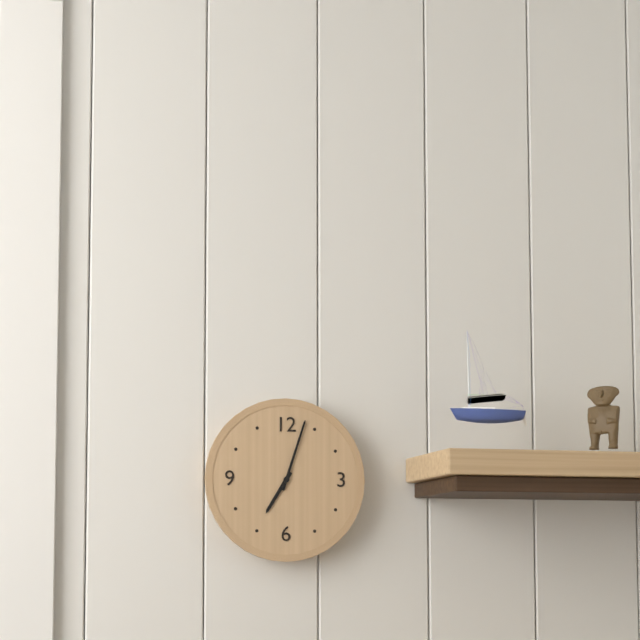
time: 7:03
